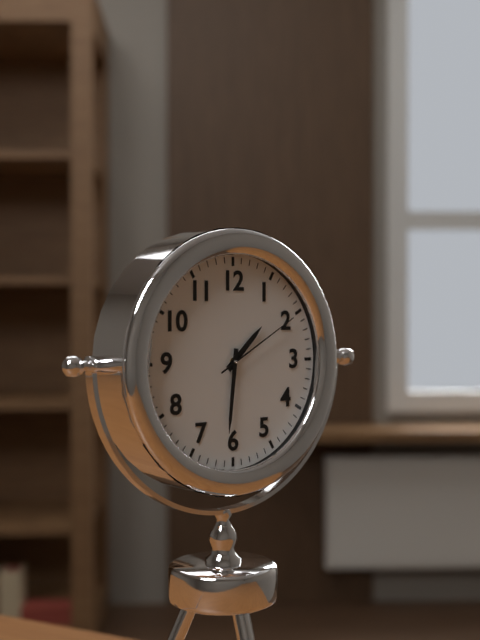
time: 1:31:10
